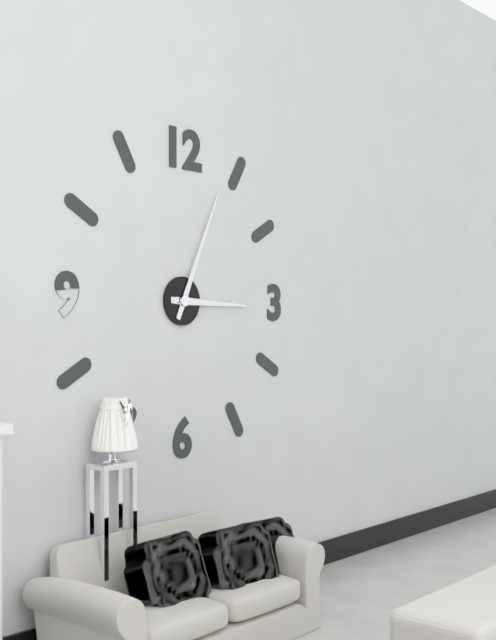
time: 3:04
